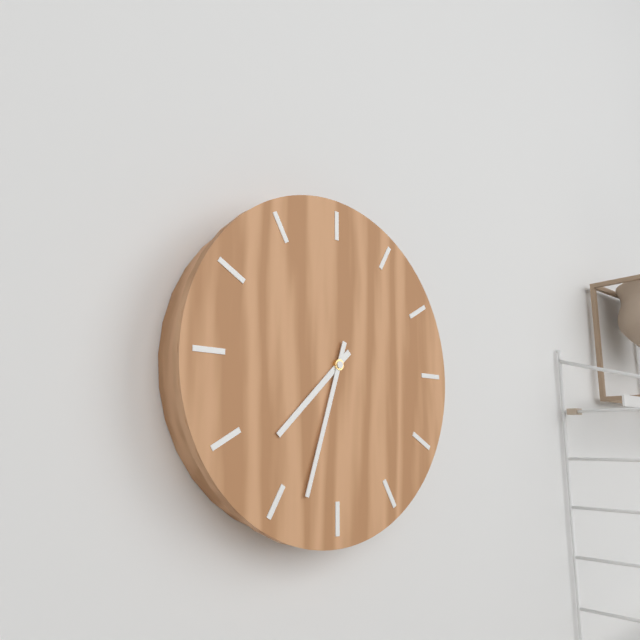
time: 7:33
